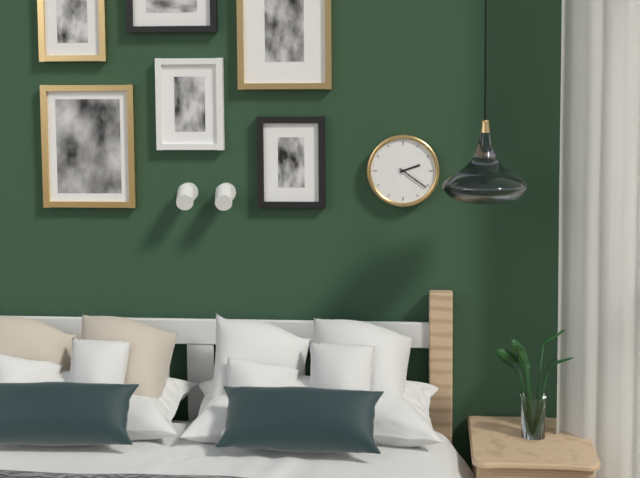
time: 2:21
